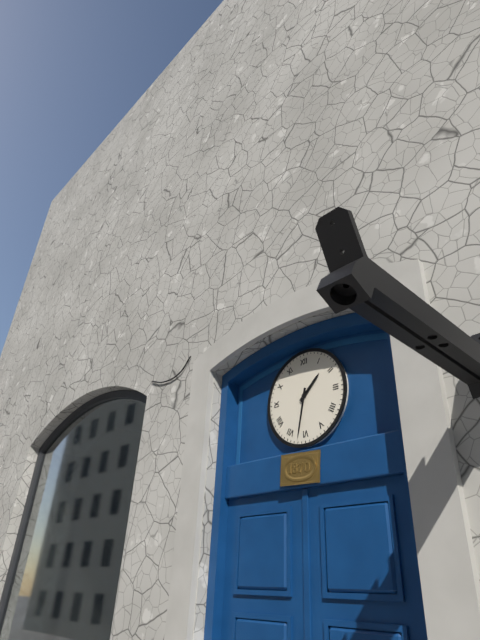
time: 1:32
